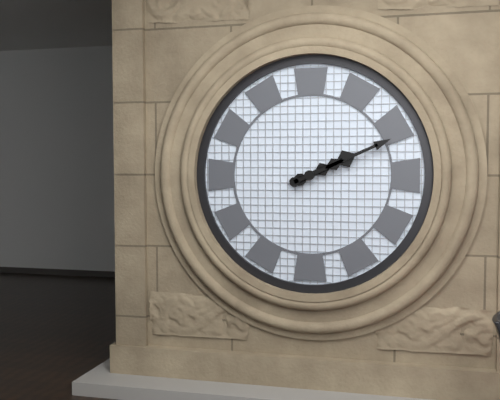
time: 2:11
